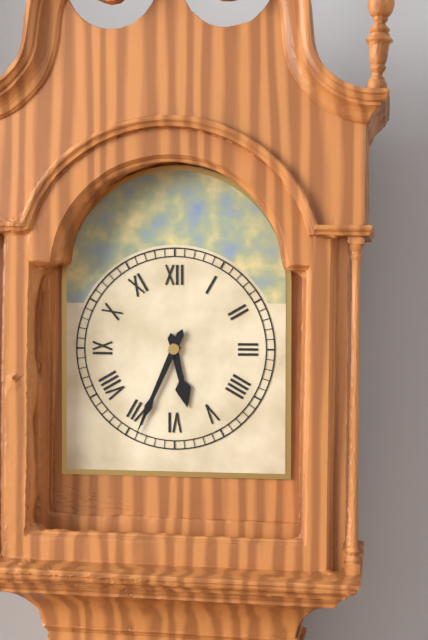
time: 5:34
